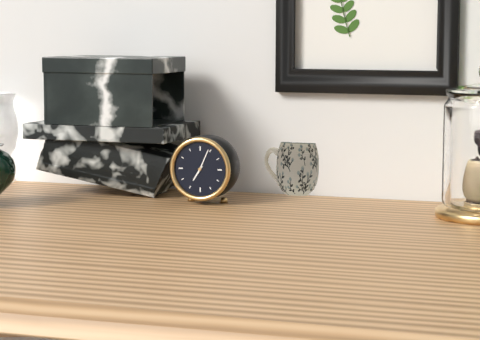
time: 7:04
